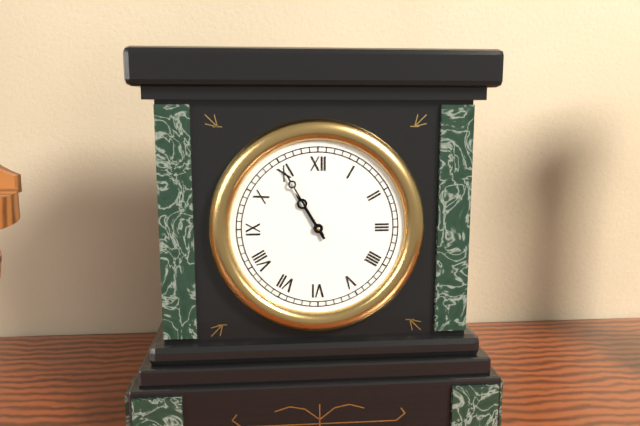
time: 10:55
